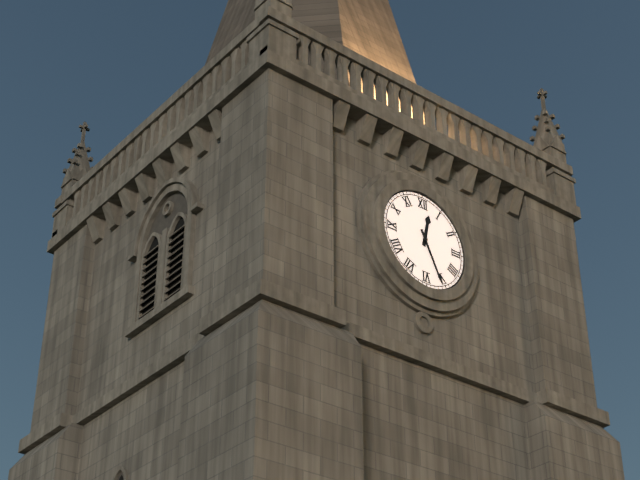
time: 12:26
